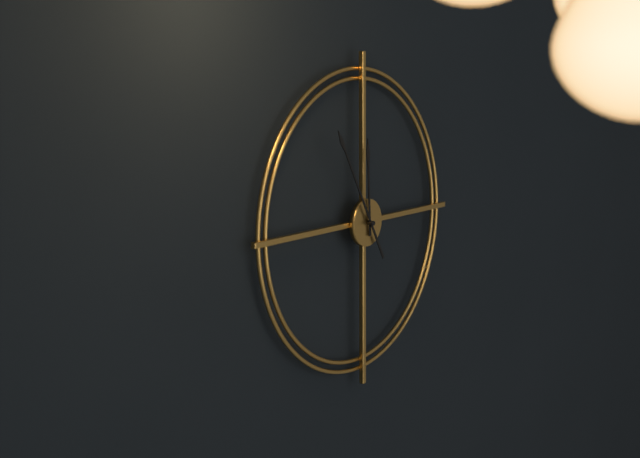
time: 11:55
